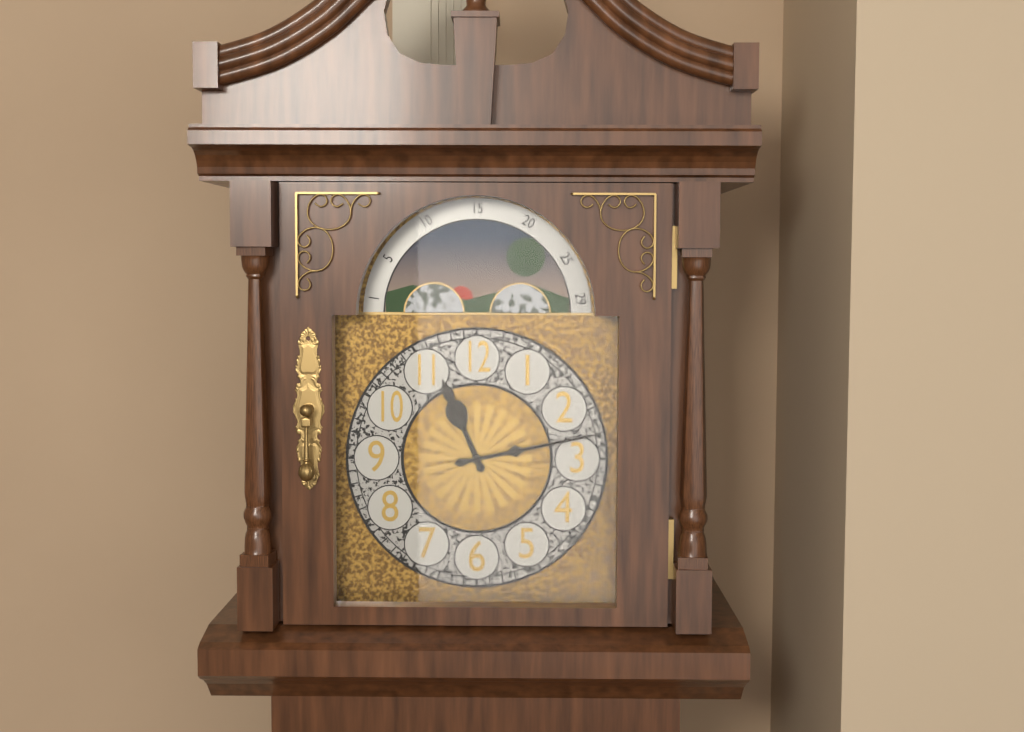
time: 11:13
